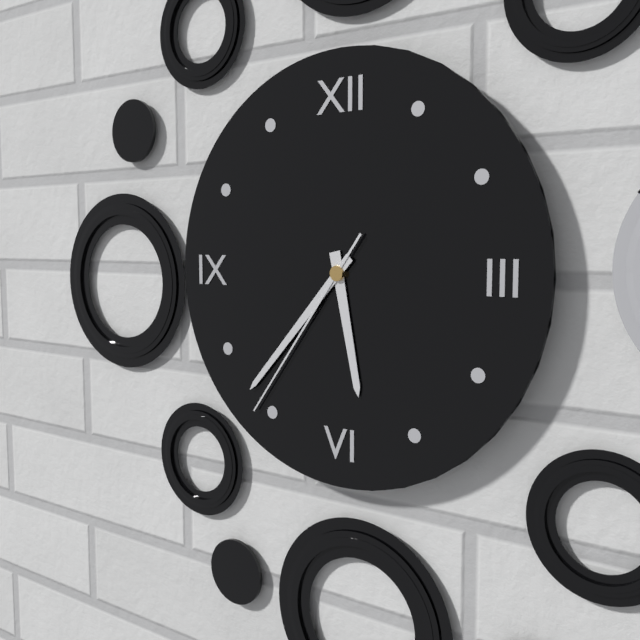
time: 5:37:36
